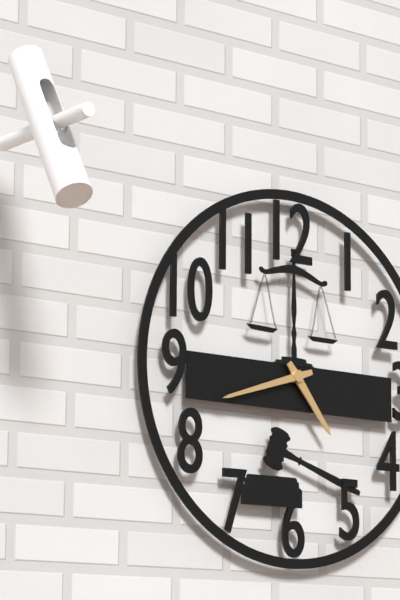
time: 4:42
